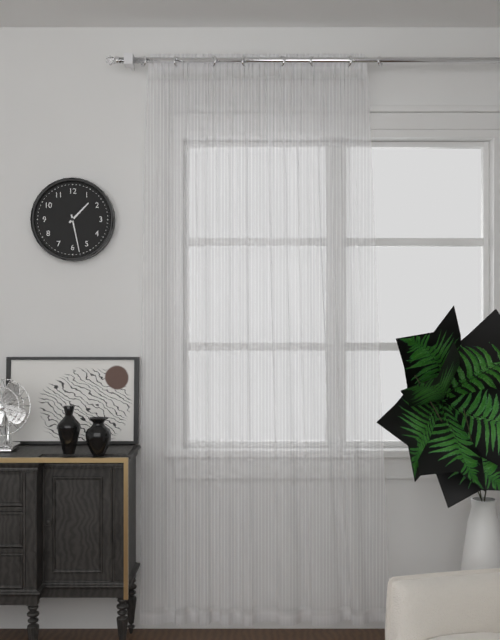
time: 1:28
